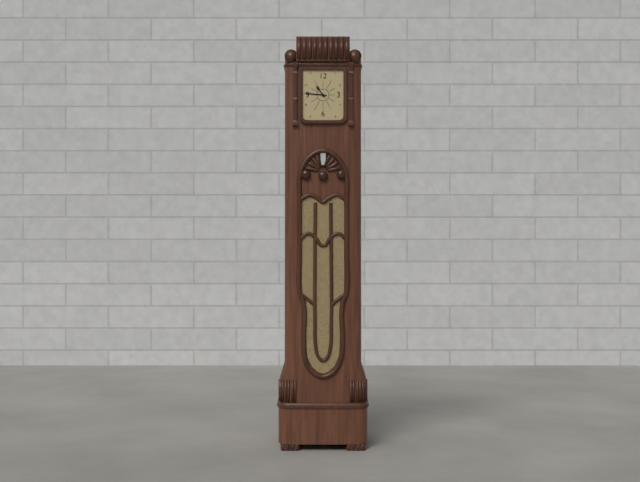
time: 10:46
